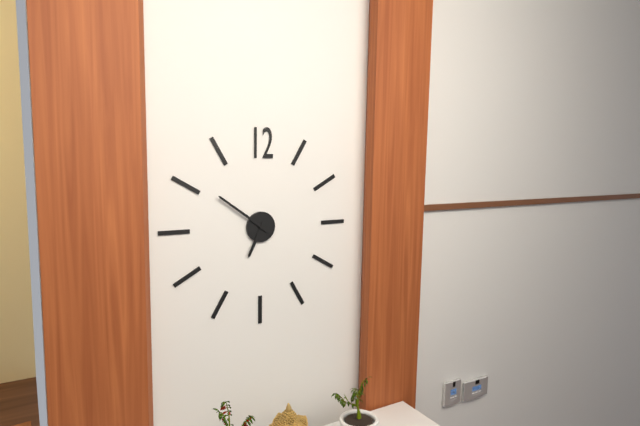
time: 6:51
